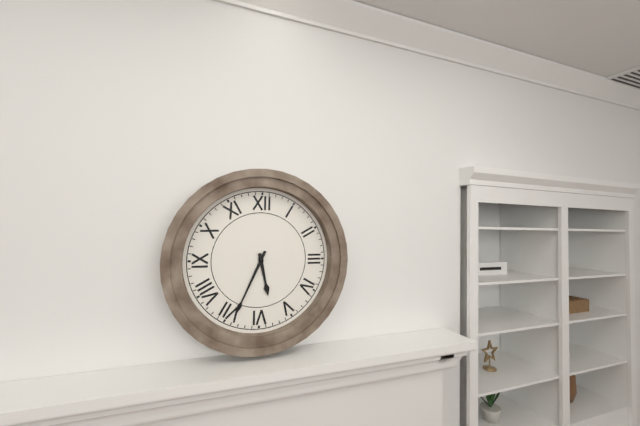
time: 5:34
